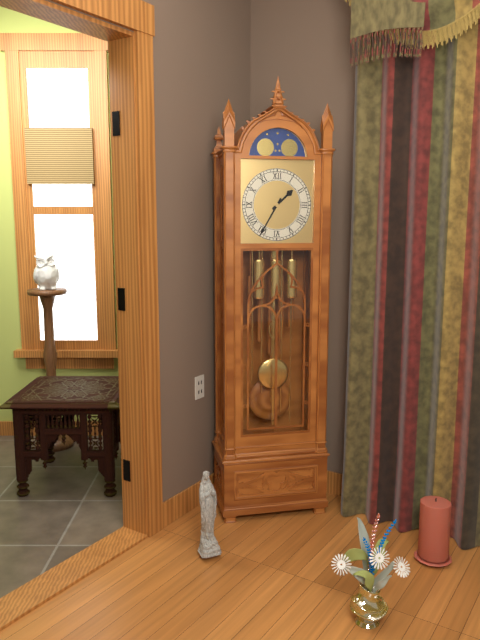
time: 1:35
